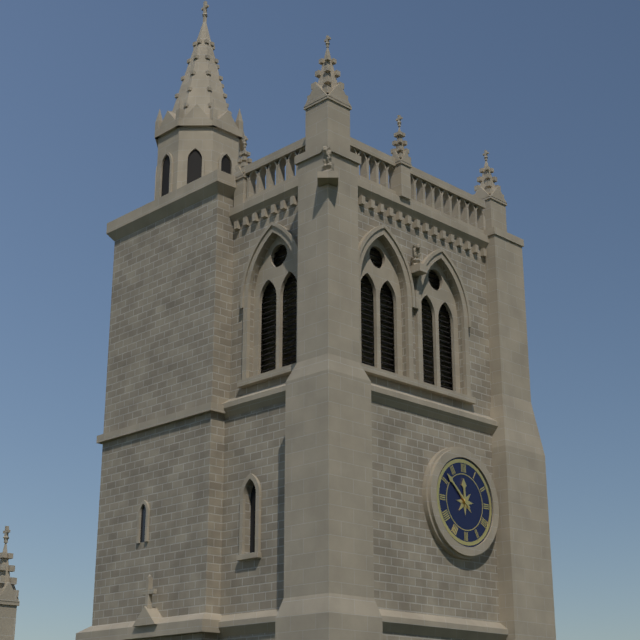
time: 11:52
